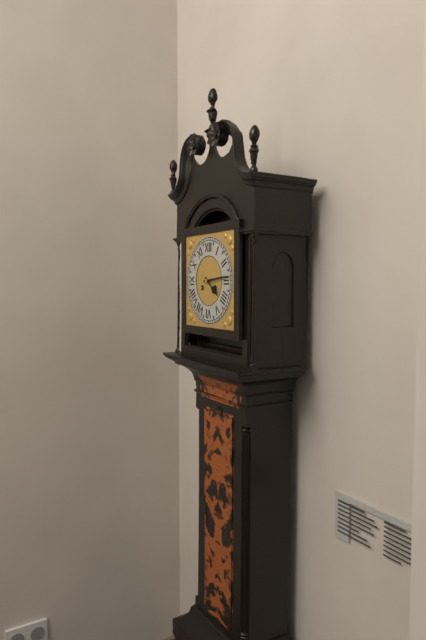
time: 4:14
